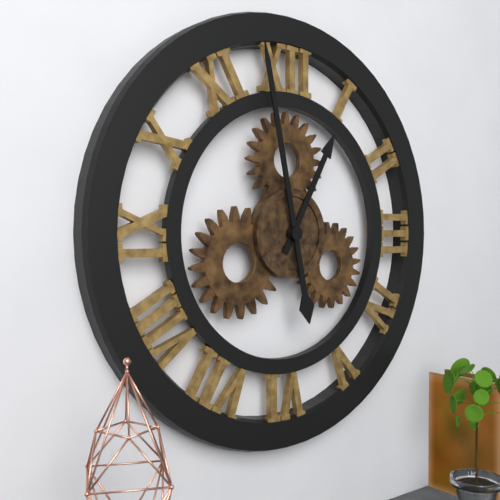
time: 12:58
